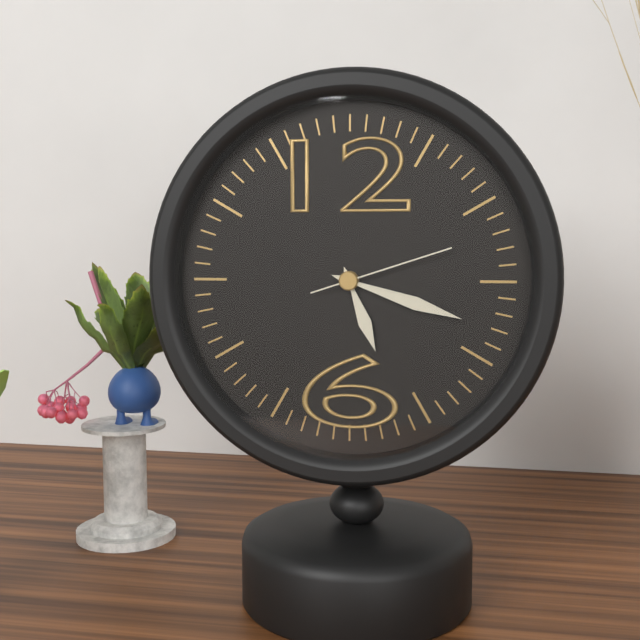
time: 5:18:12
